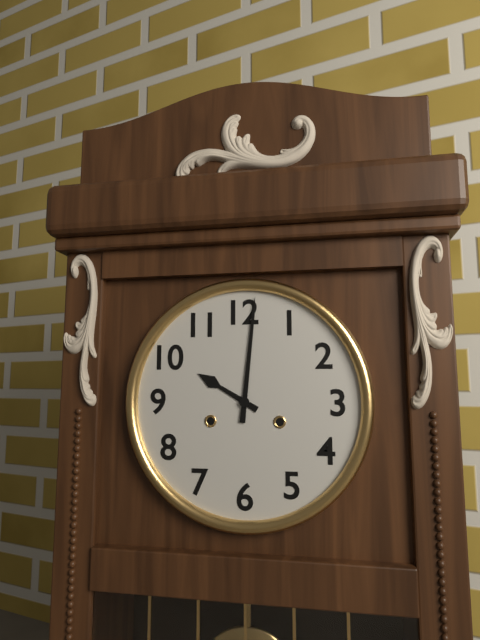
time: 10:01
